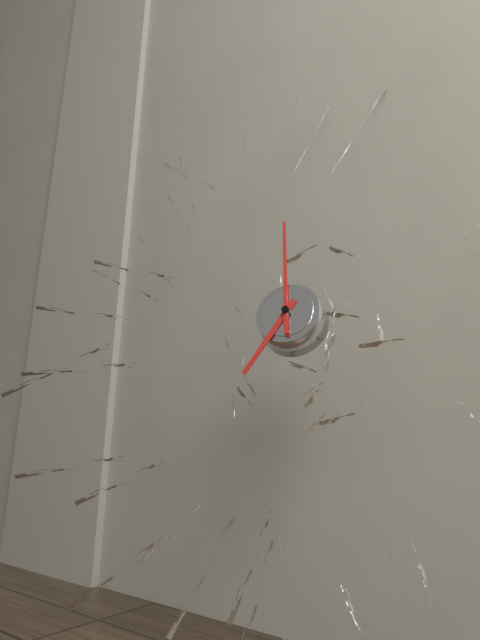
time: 6:59
